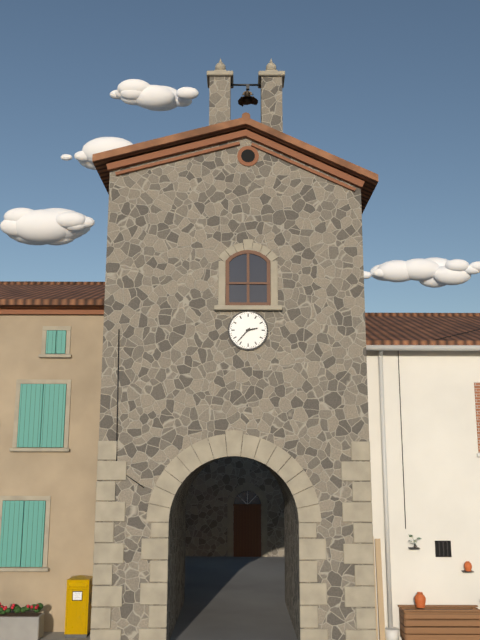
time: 2:37
